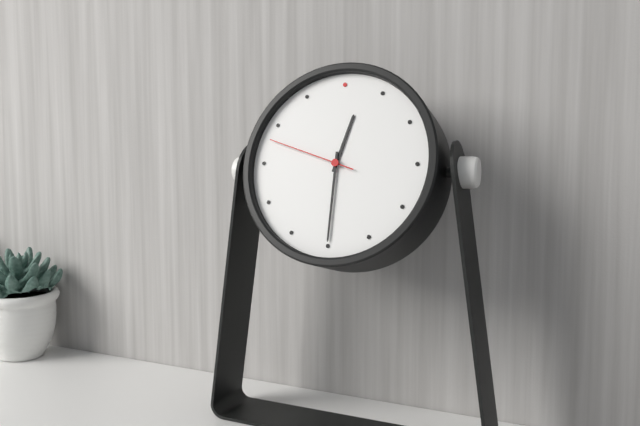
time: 12:30:48
